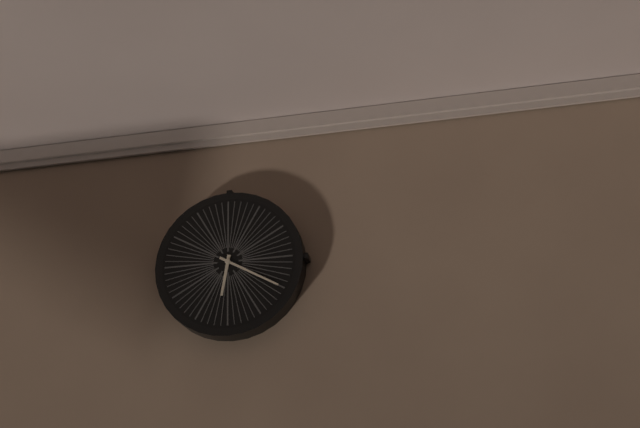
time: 6:20
